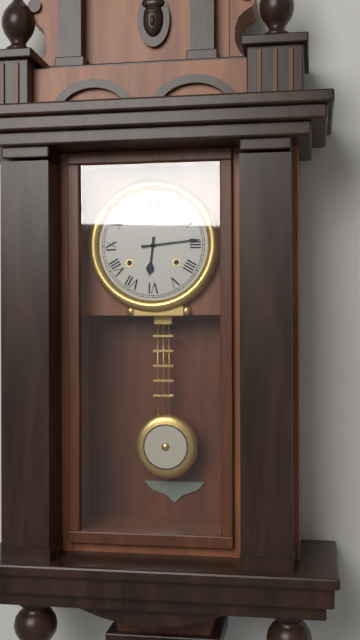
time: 6:14
